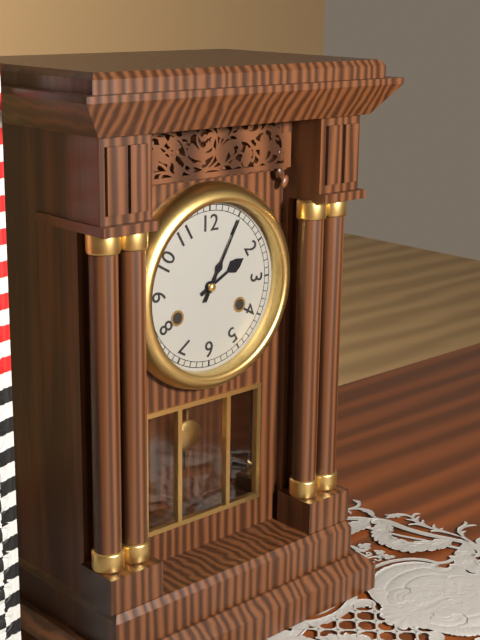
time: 2:05
